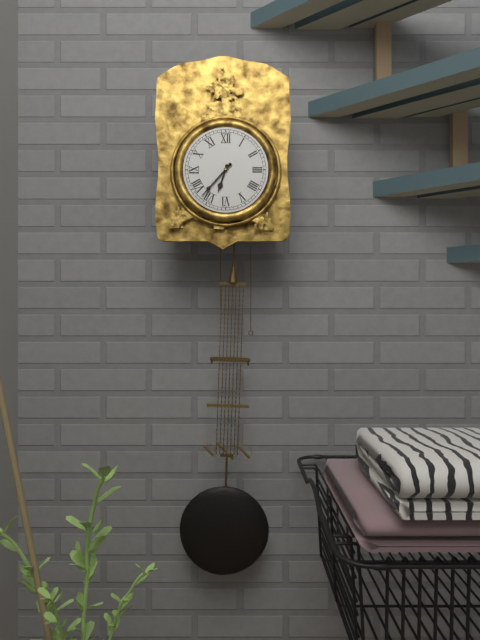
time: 6:37
